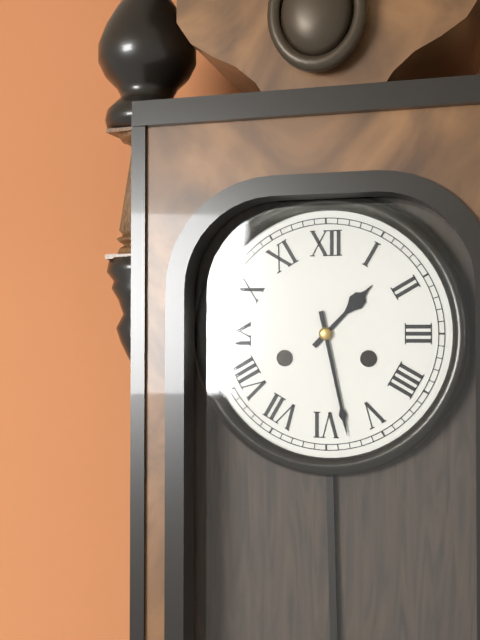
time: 1:28
